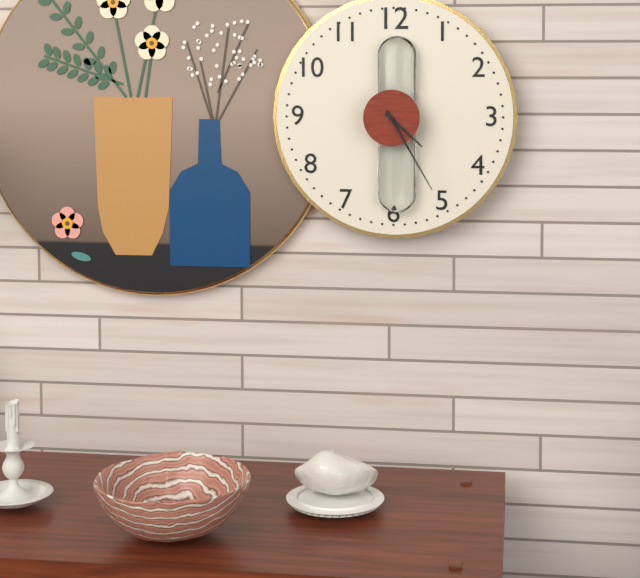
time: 4:25
